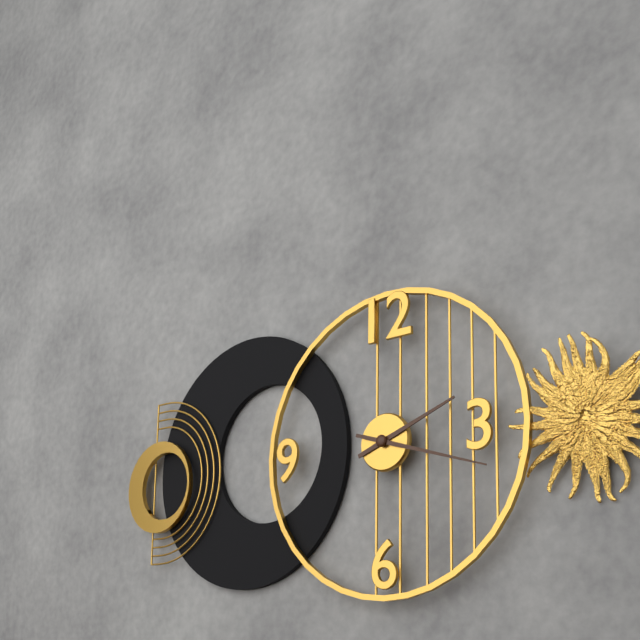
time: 2:18
